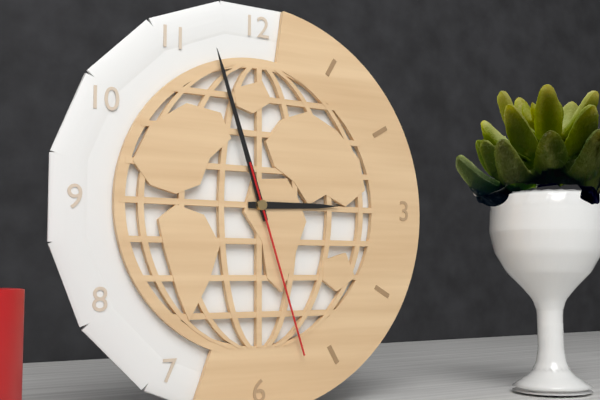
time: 2:57:27
